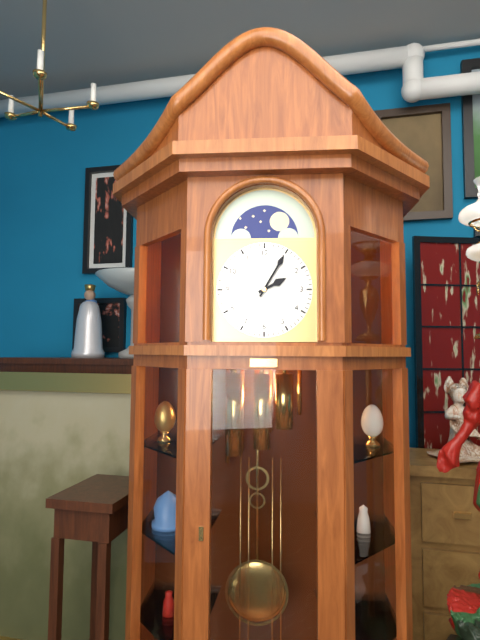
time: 2:05
